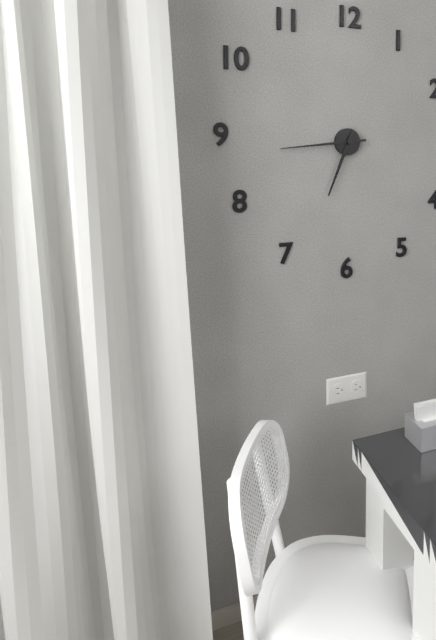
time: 6:44
